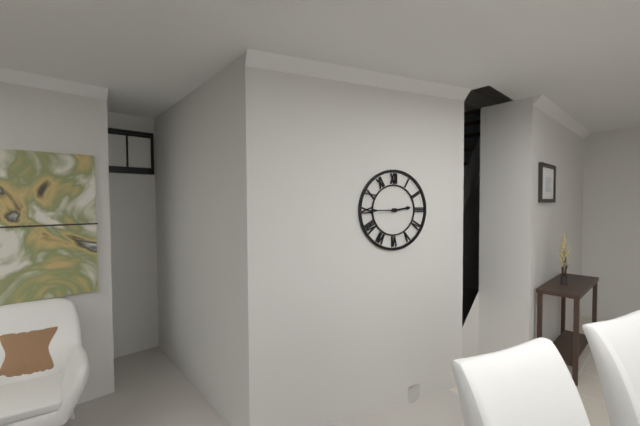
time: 2:45
